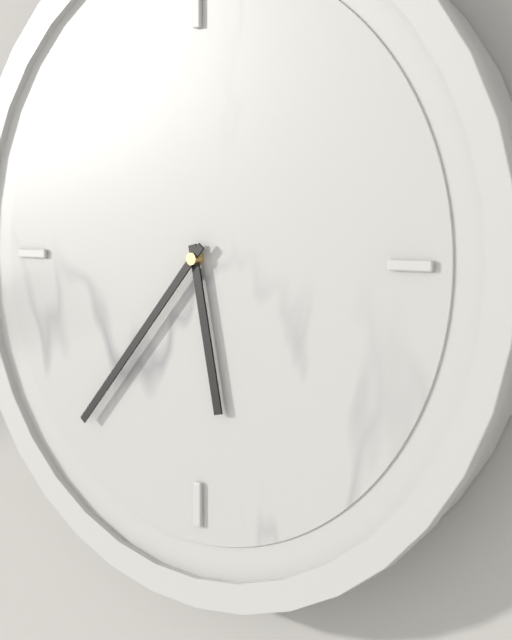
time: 5:37
